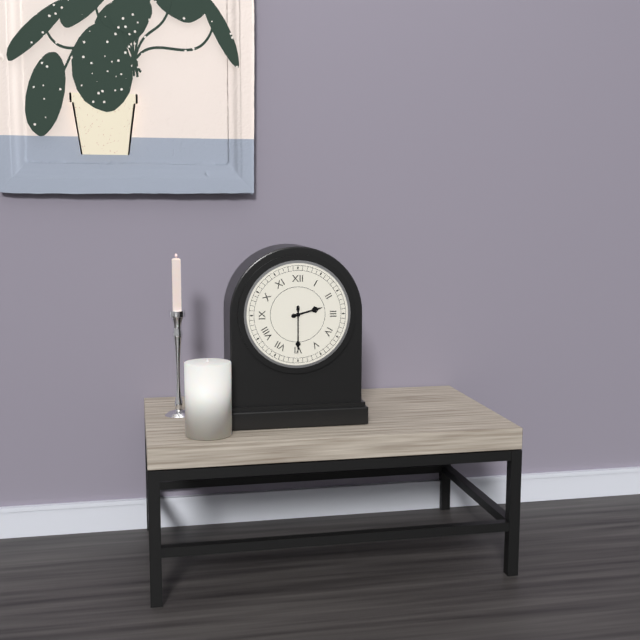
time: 2:30
